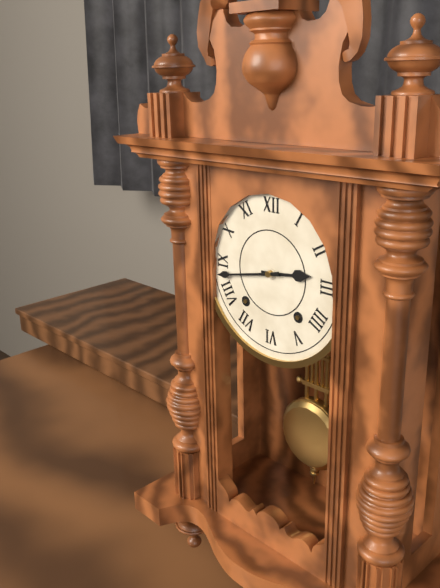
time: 2:43
